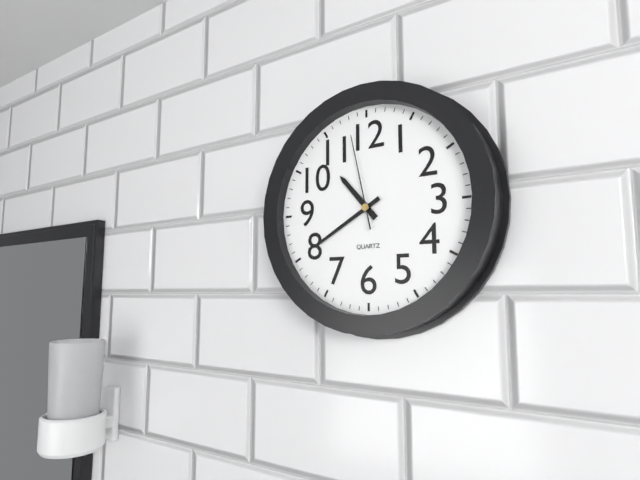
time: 10:40:58
